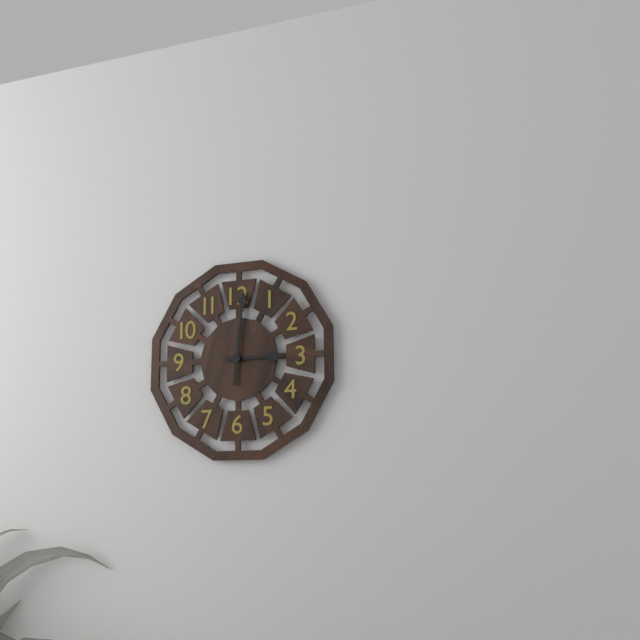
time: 3:01
